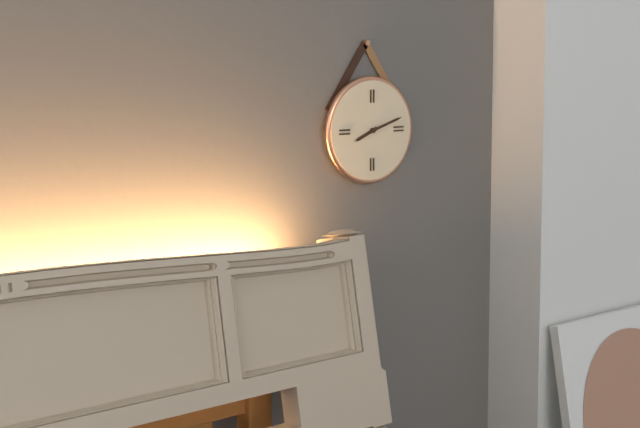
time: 8:12
